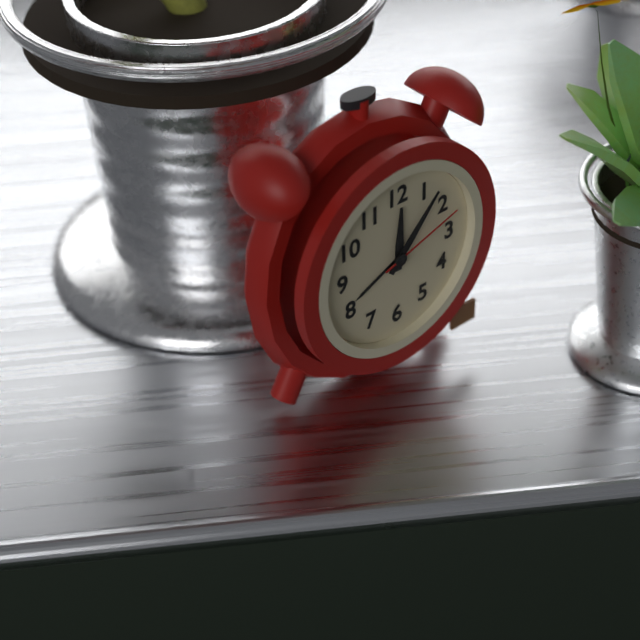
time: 12:07:12
